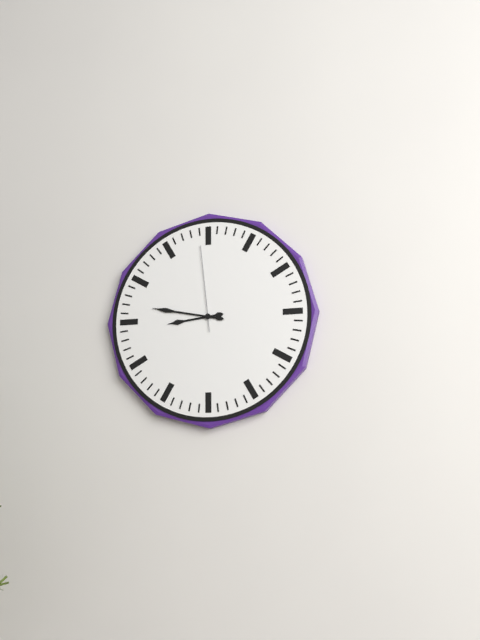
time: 8:47:59
